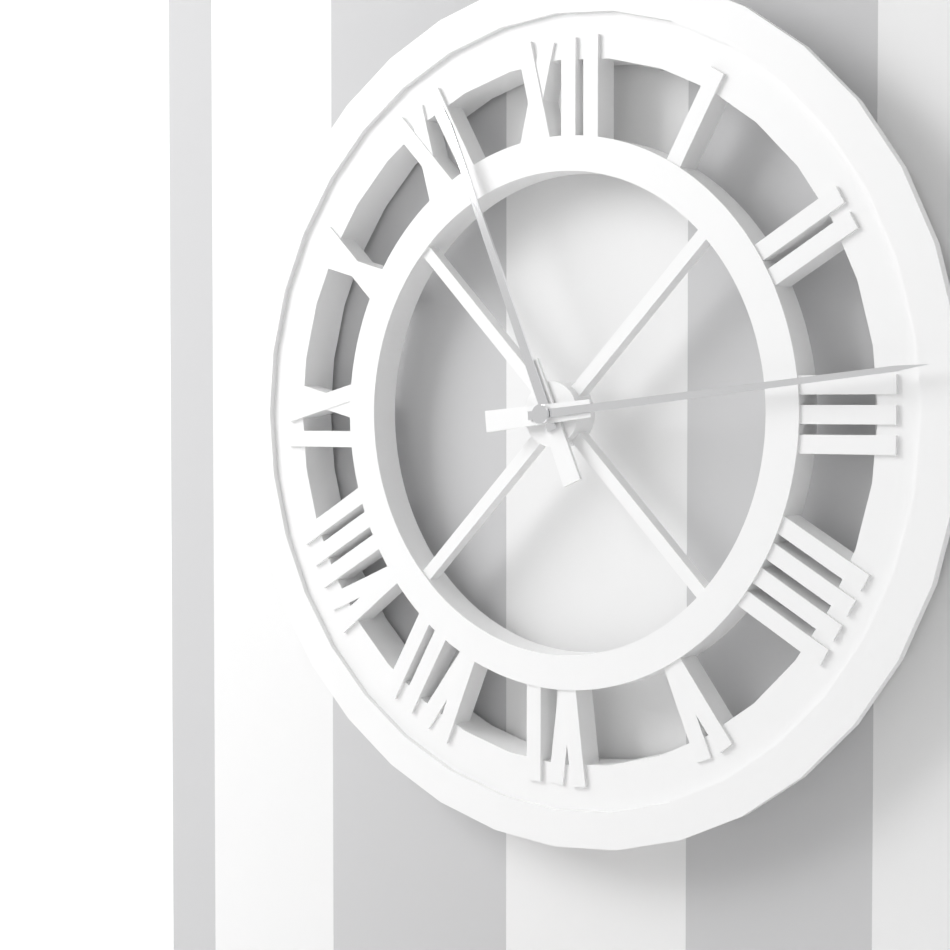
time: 11:14
